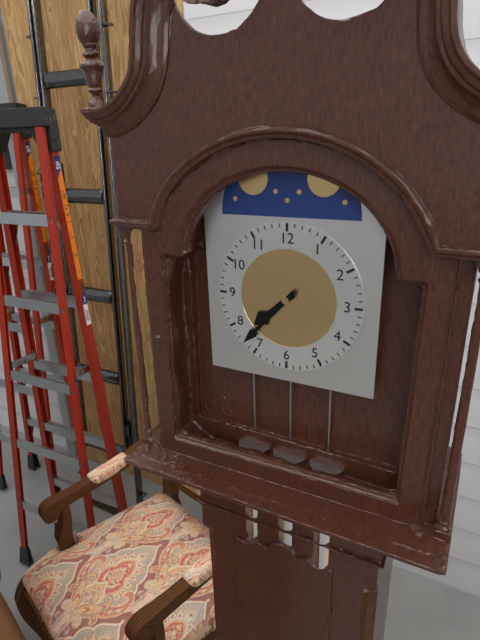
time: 7:37
